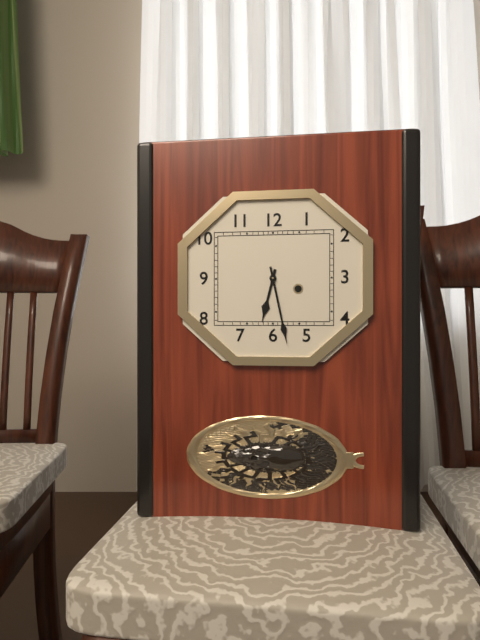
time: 6:28
